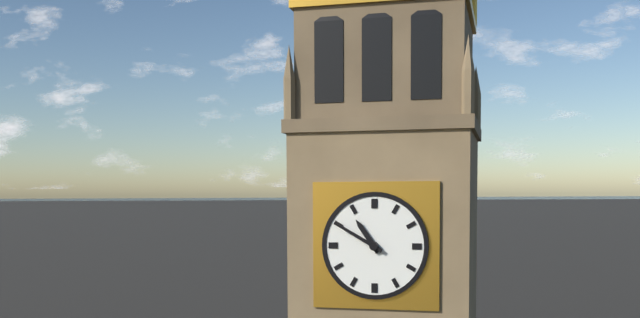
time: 10:50
